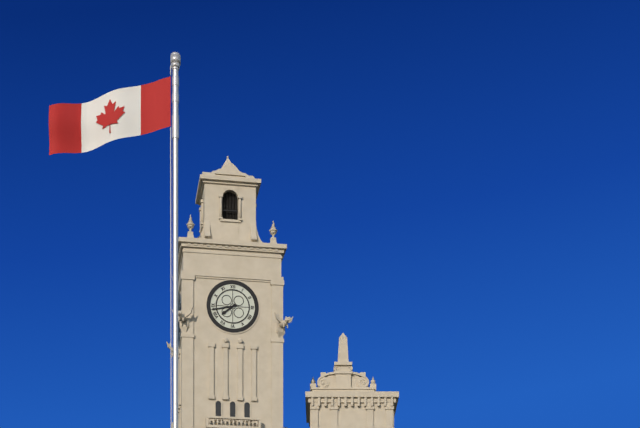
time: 7:43
